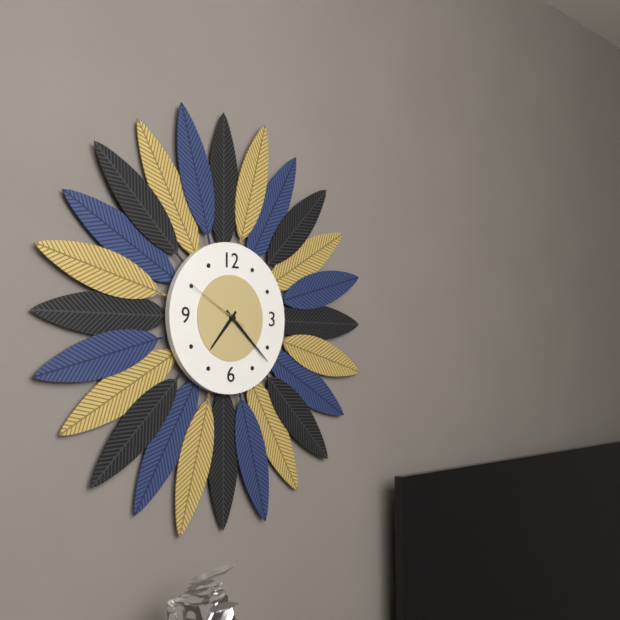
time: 7:22:50
